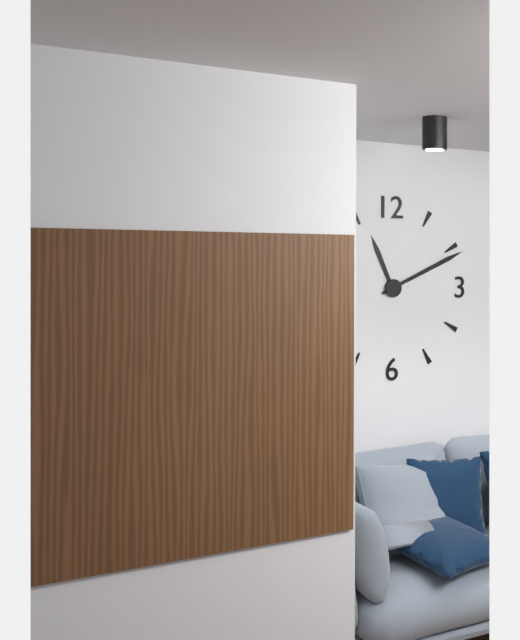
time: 11:11
